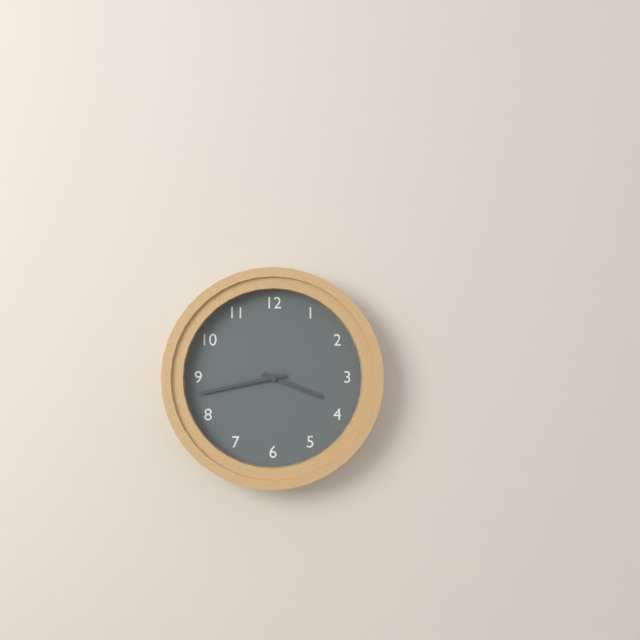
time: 3:43
